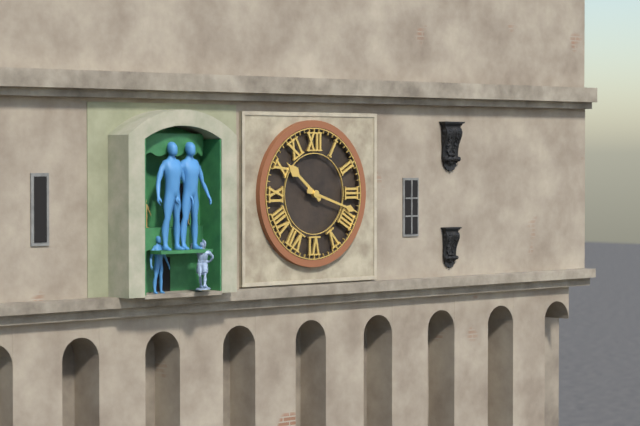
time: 10:18
